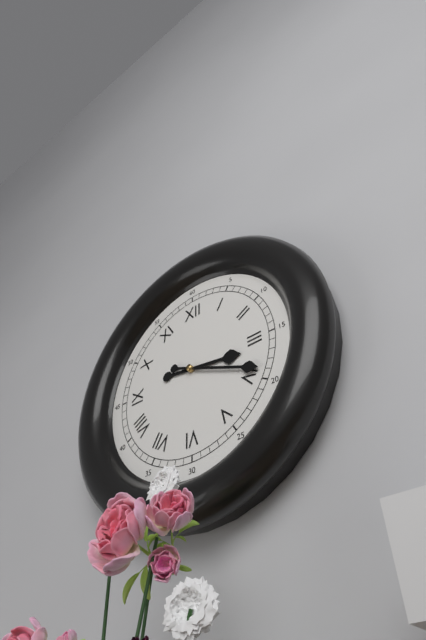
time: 3:19
